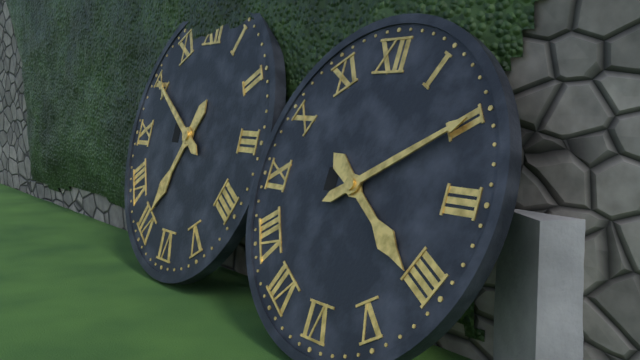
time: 4:10
